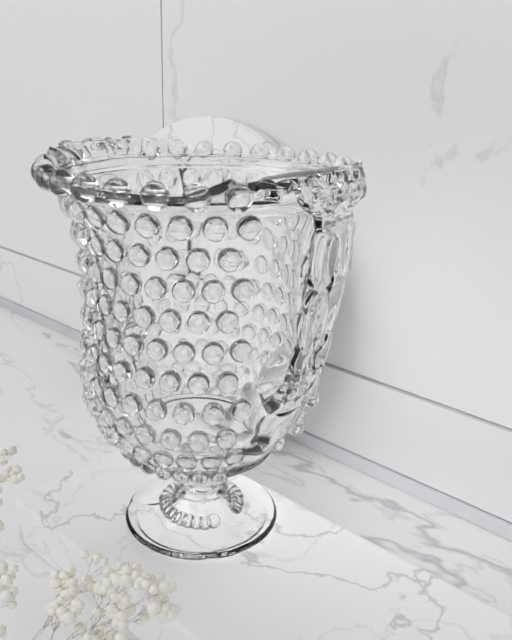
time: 7:57:14
